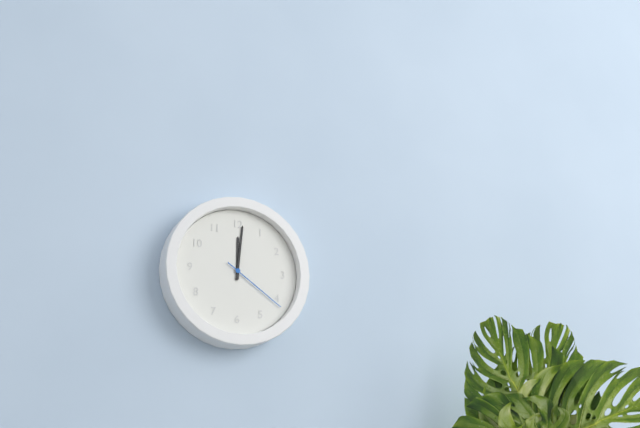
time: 12:01:21
